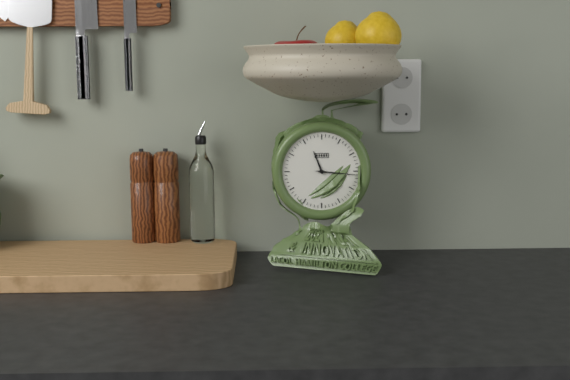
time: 11:16
